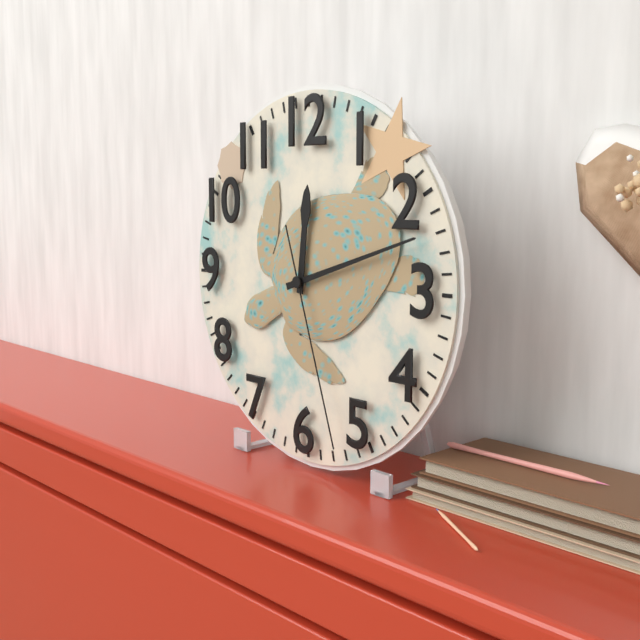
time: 12:12:27
